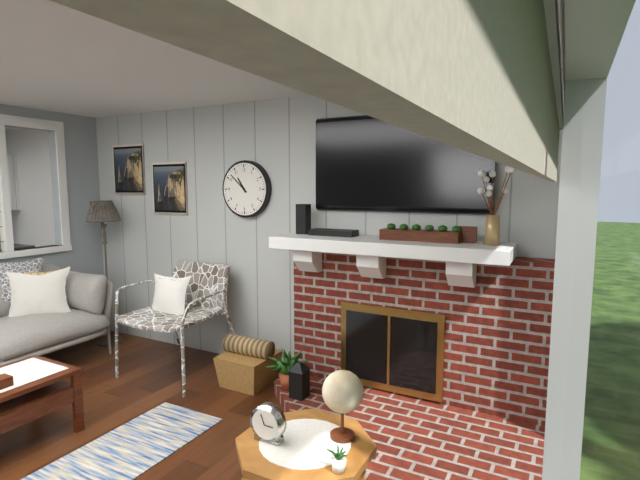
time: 10:52
